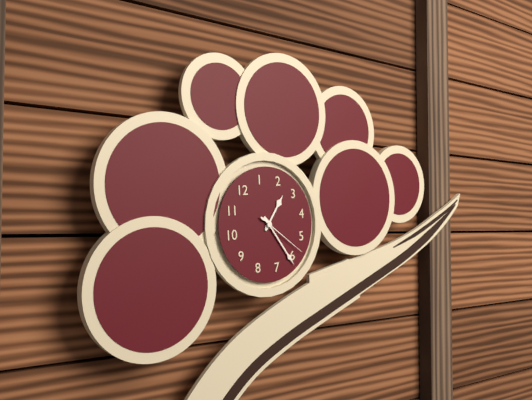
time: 2:31:28
